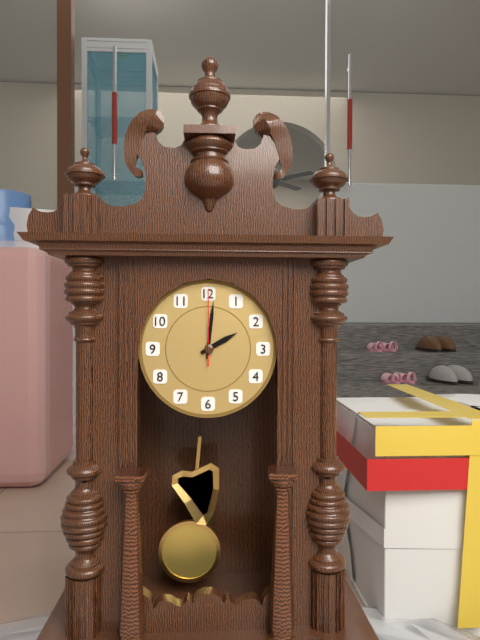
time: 2:01:00
